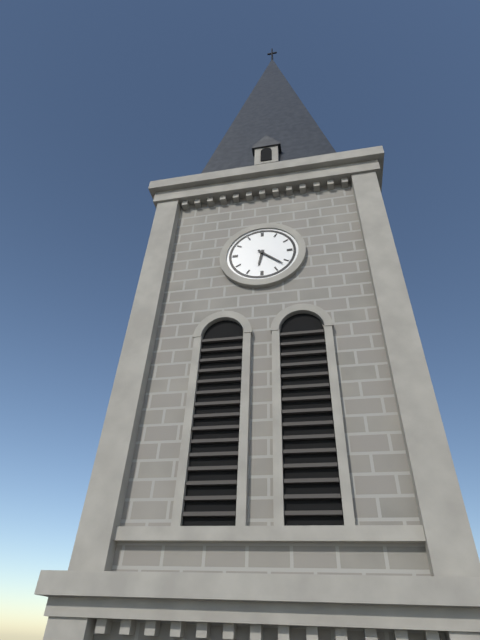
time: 6:22
